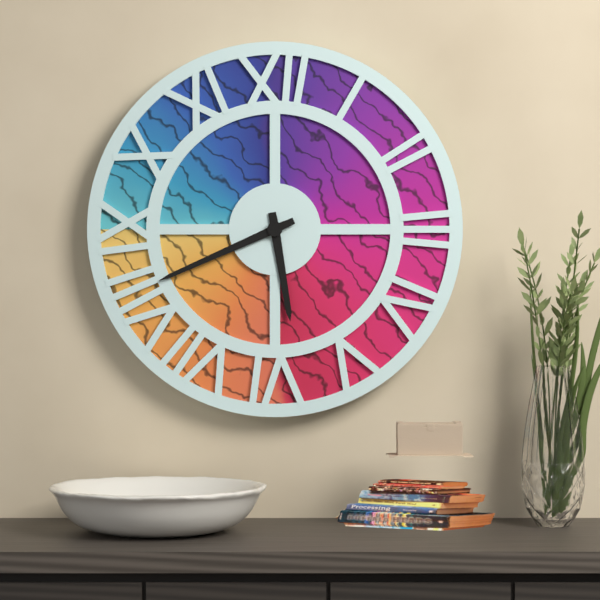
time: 5:41
